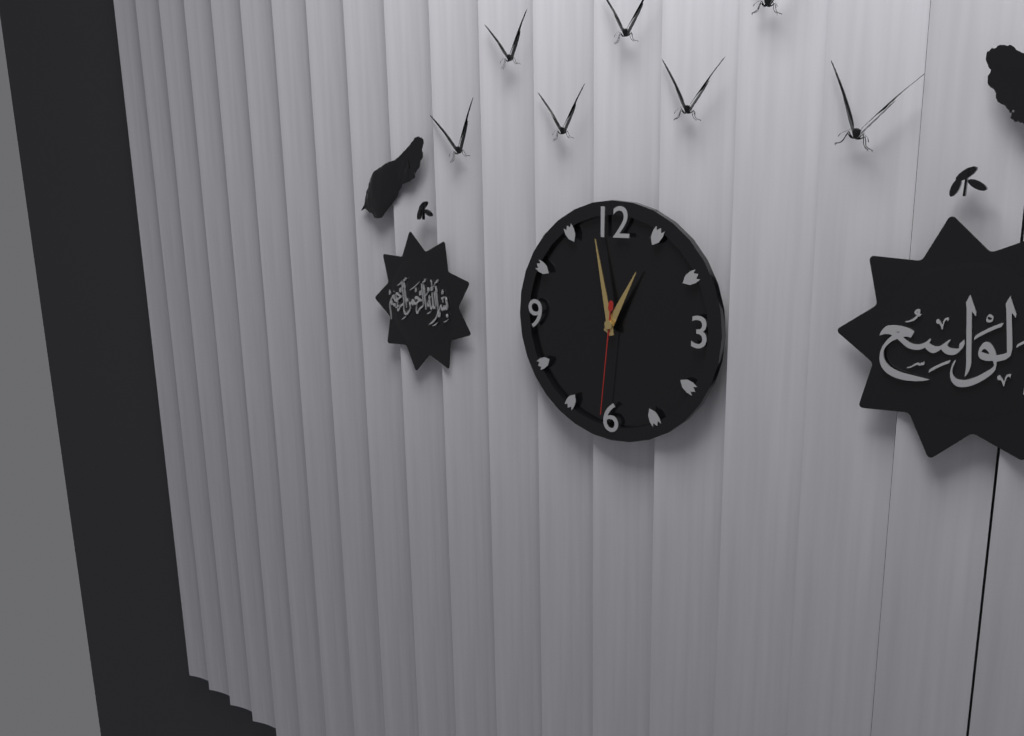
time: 12:58:31
